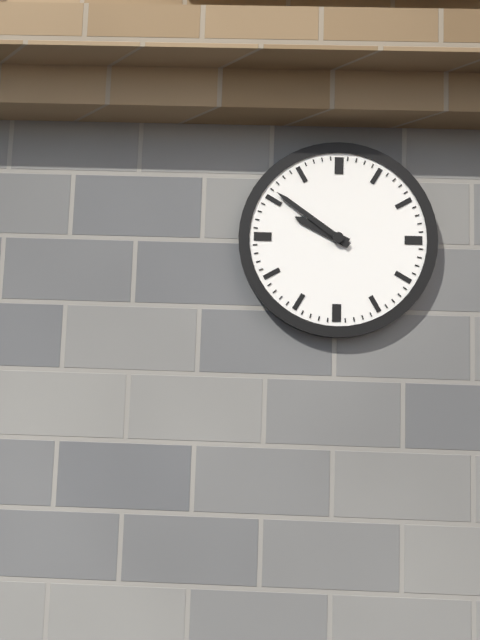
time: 9:51
